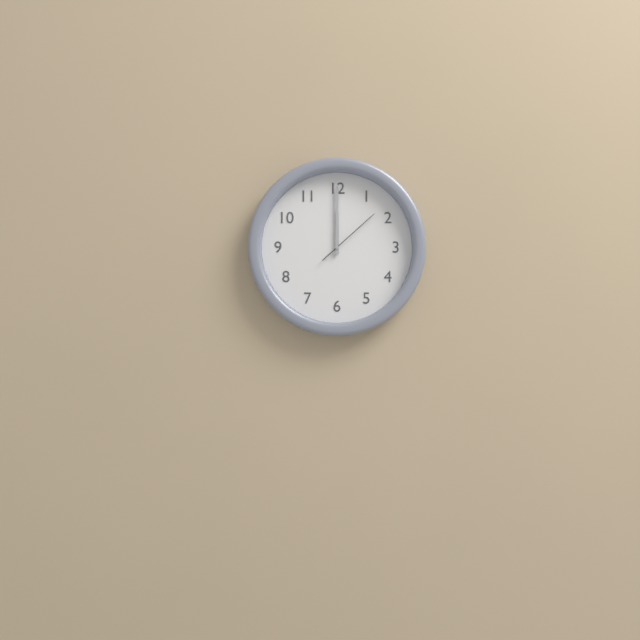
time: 12:00:08
